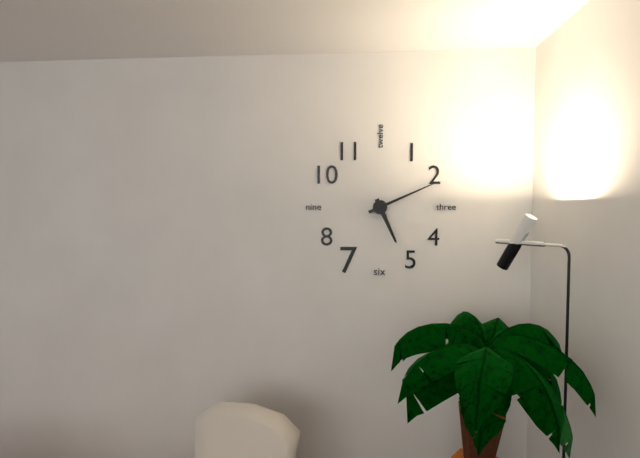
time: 5:11
